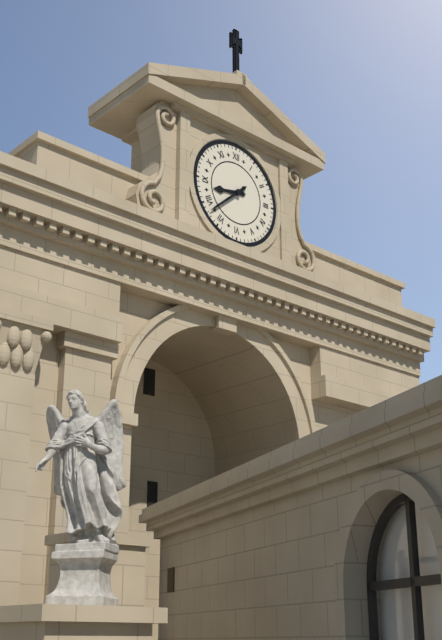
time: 8:38
